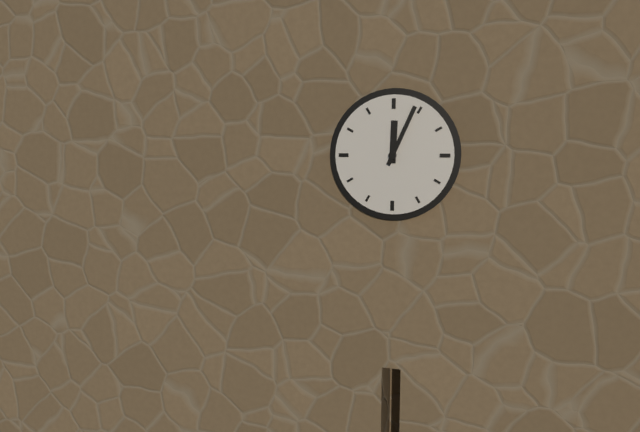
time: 12:04
